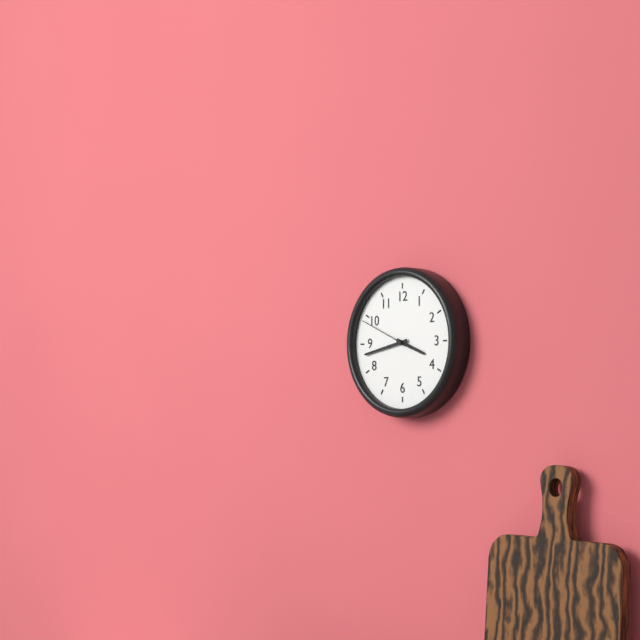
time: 3:43:49
